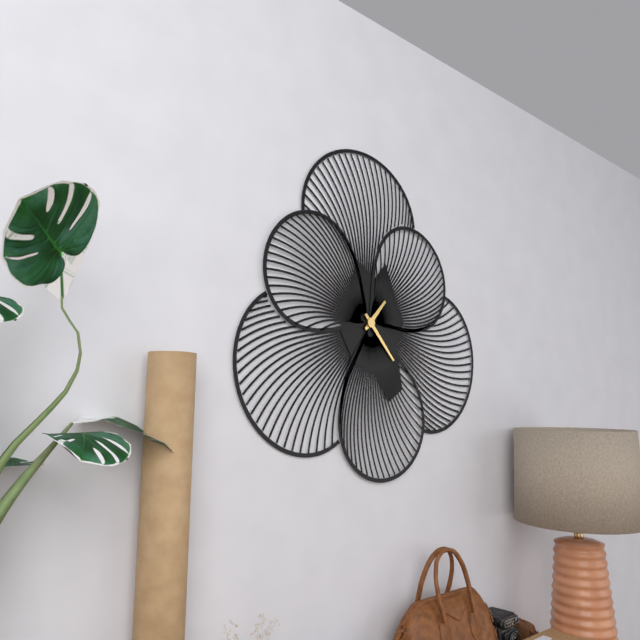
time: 1:23
